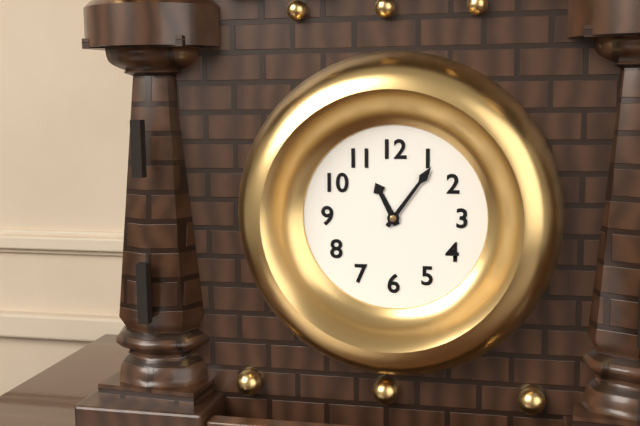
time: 11:06
